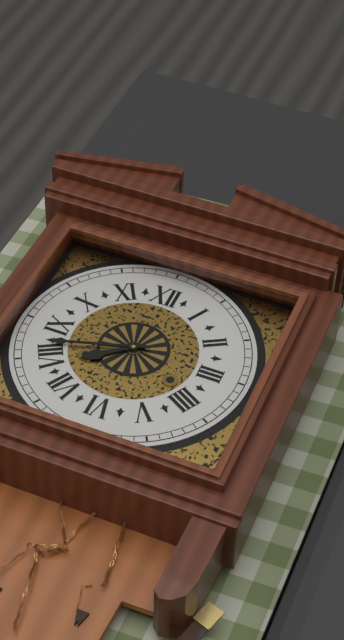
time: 7:42
